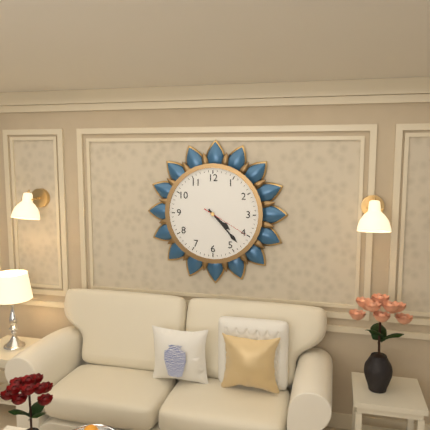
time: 4:23:20
